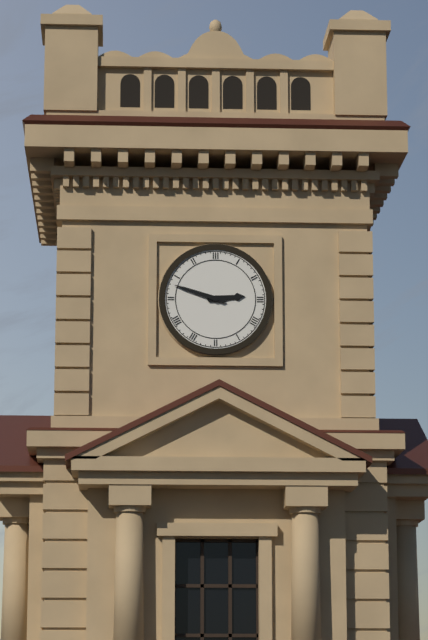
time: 2:48
